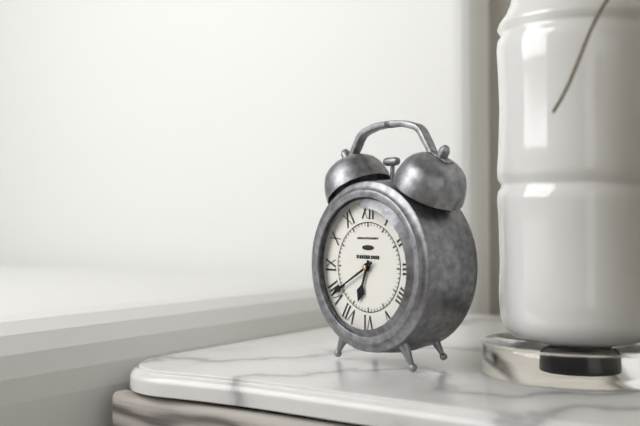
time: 6:40
